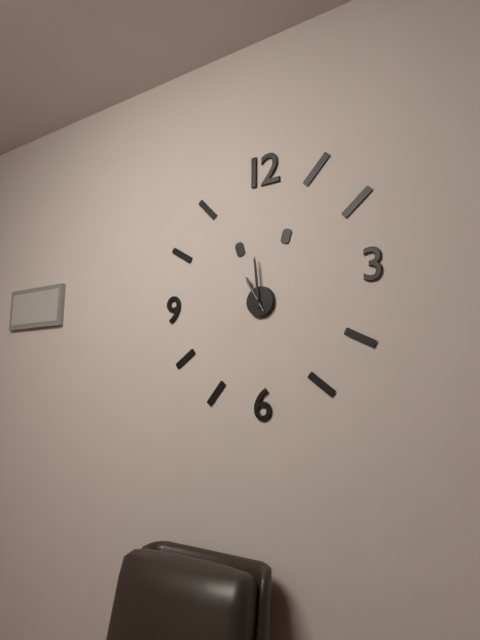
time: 10:59
